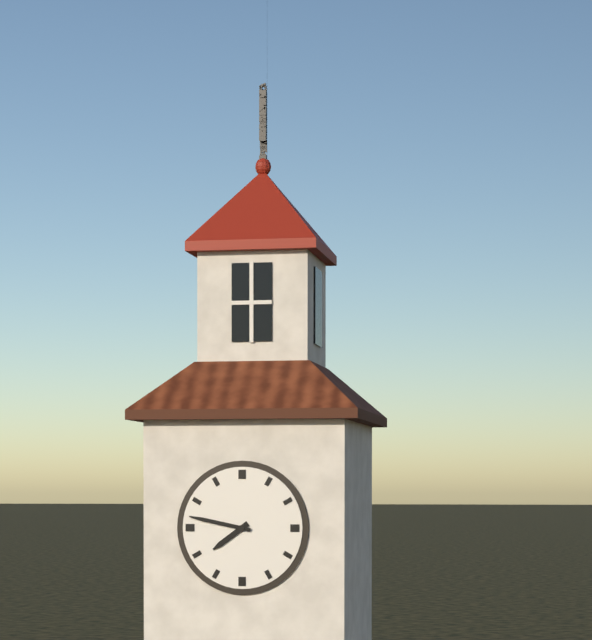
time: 7:47
